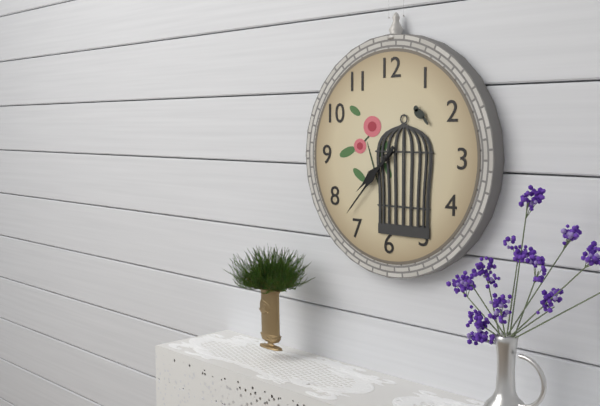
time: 7:37
